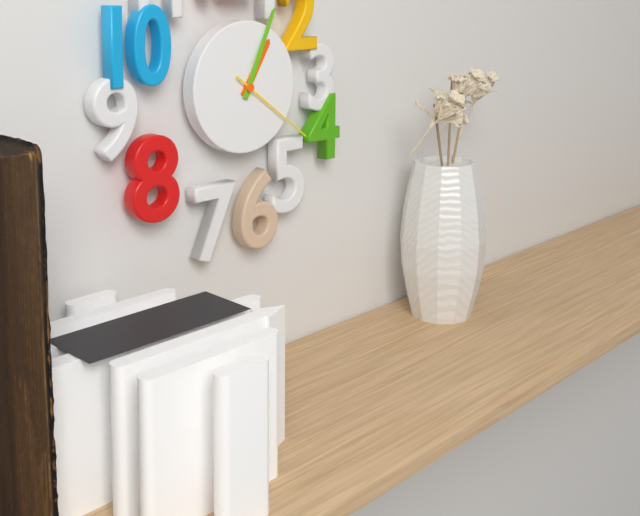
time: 1:04:21
